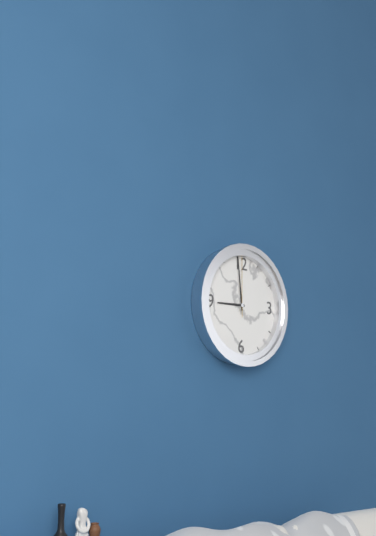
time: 8:59:00
